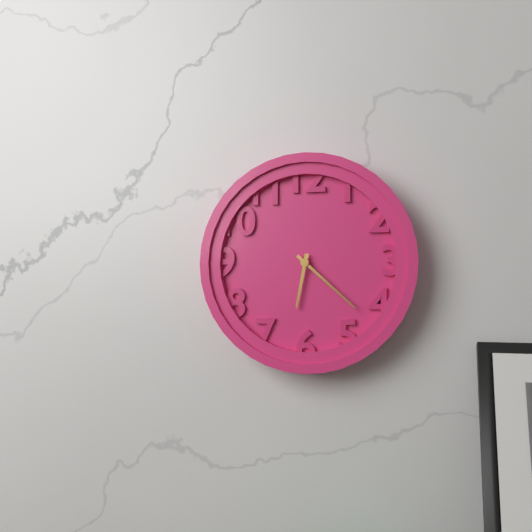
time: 6:22
